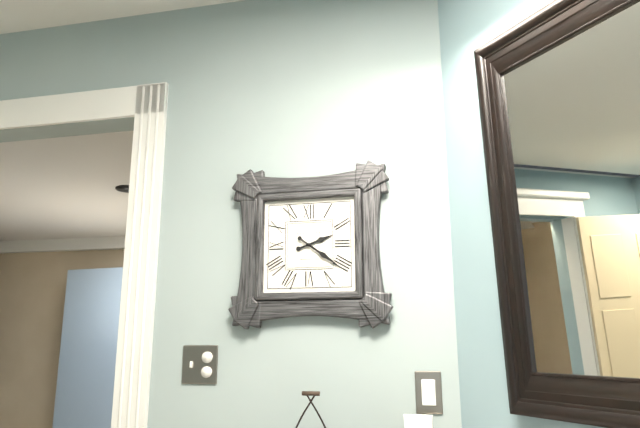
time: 2:21
